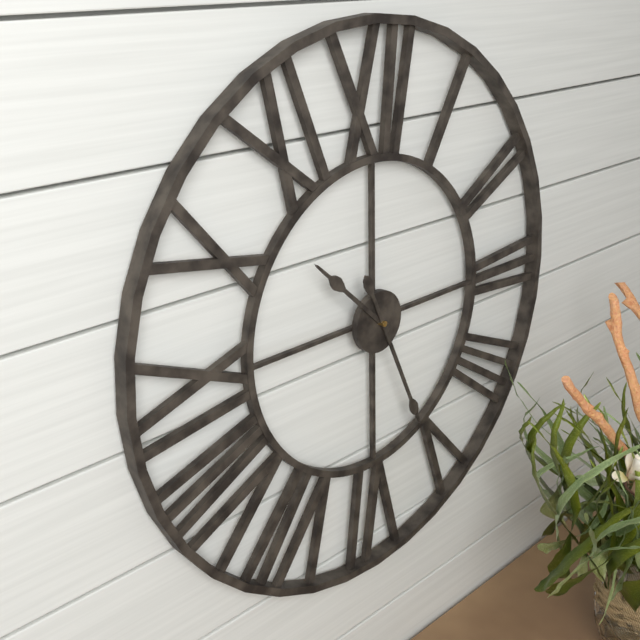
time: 10:26
